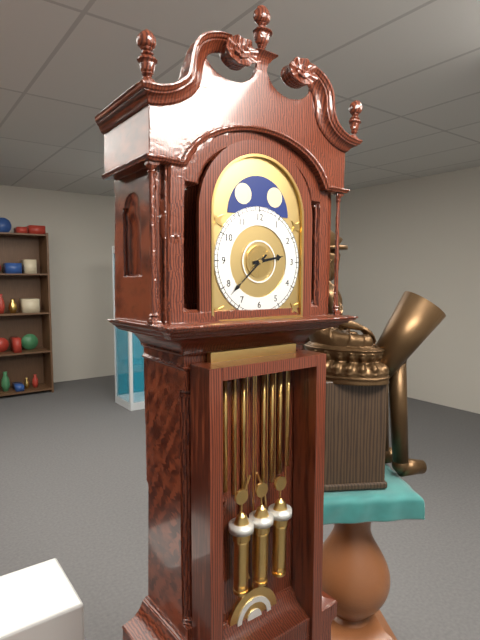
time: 2:38
